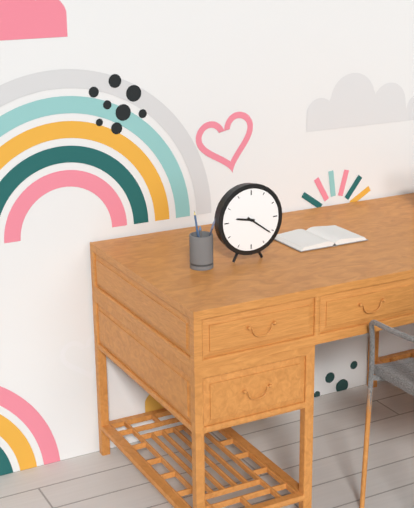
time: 9:21
